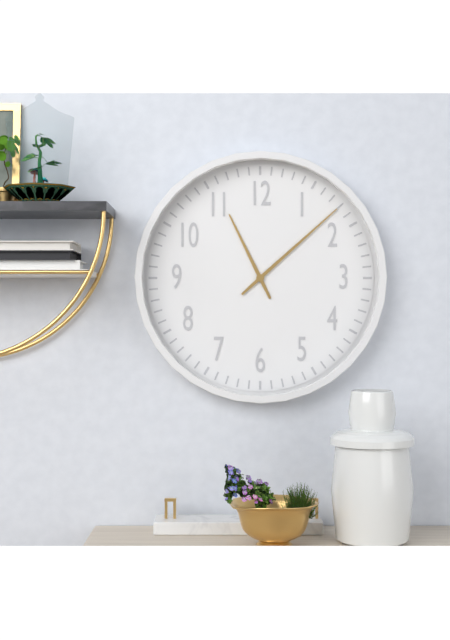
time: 11:08
